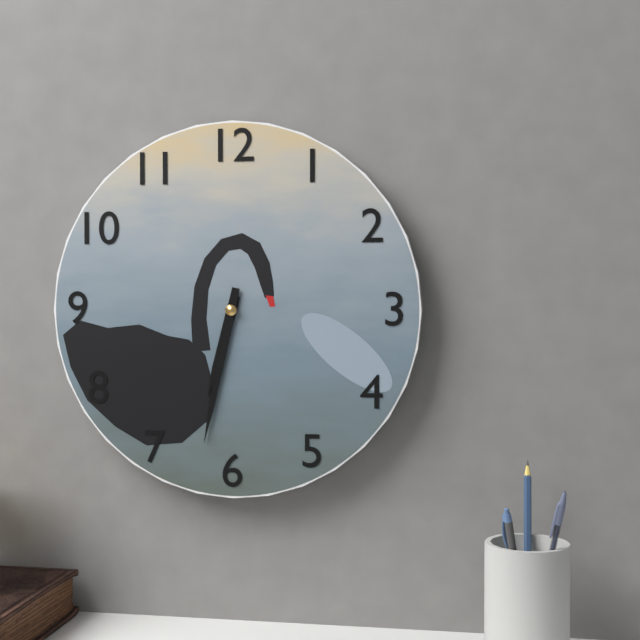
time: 6:32
